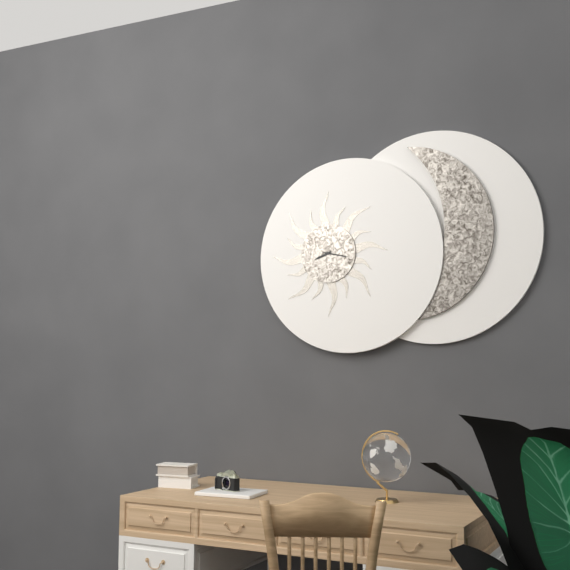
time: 8:17
